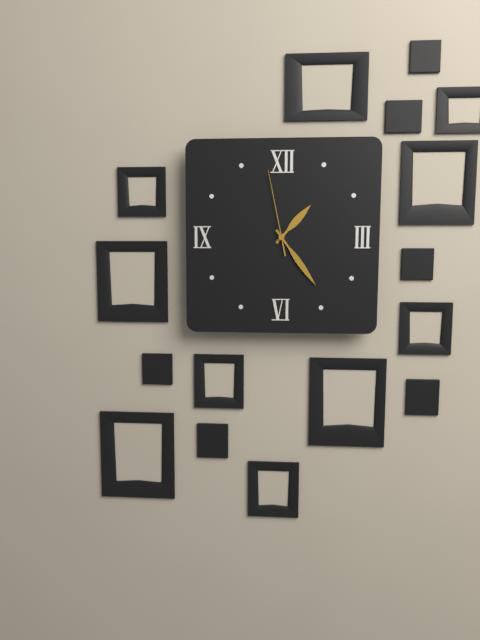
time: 1:24:58
